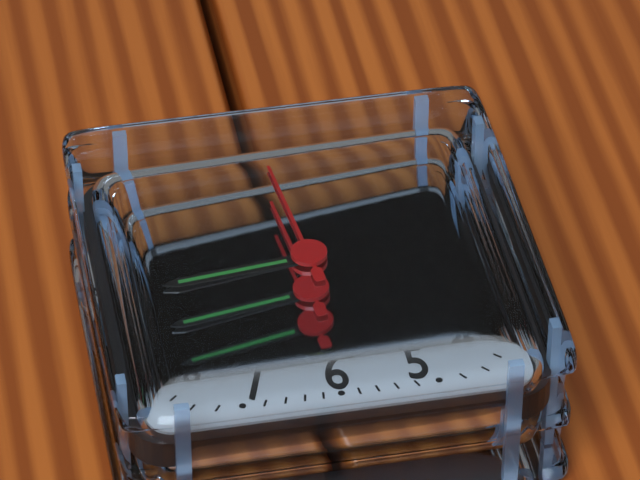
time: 3:44:59
